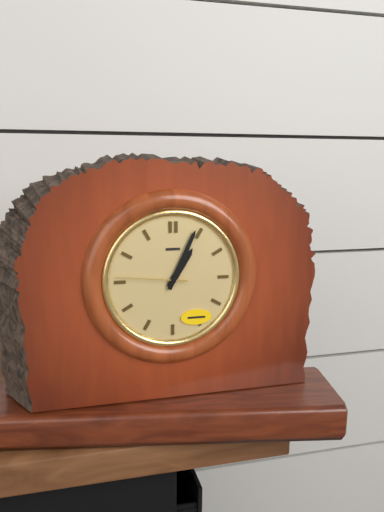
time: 1:04:46
